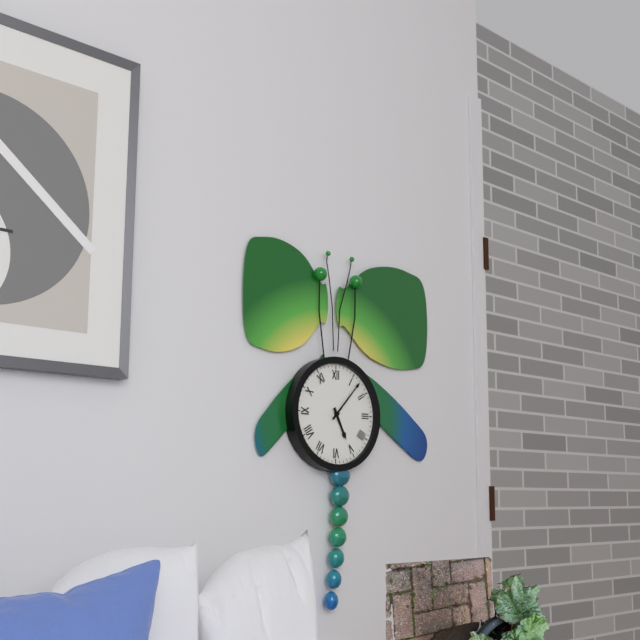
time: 5:07
